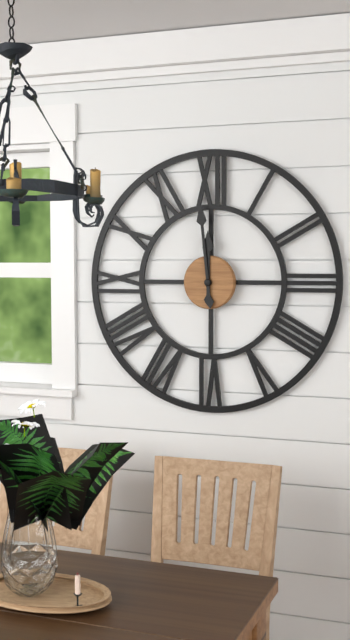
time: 11:59
